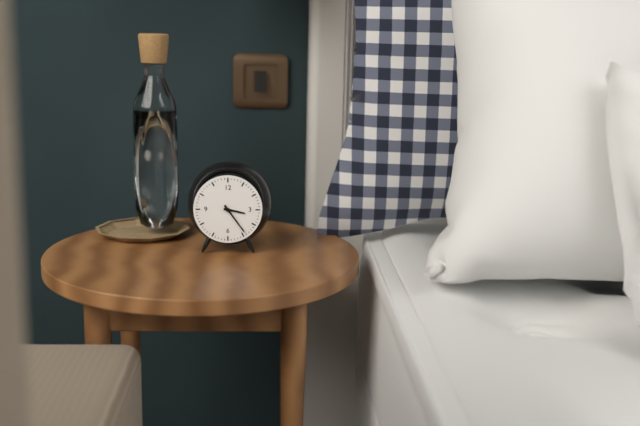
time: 3:24
